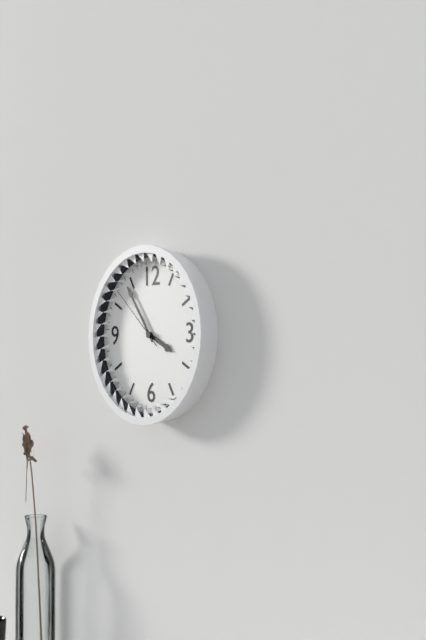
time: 3:54:52
